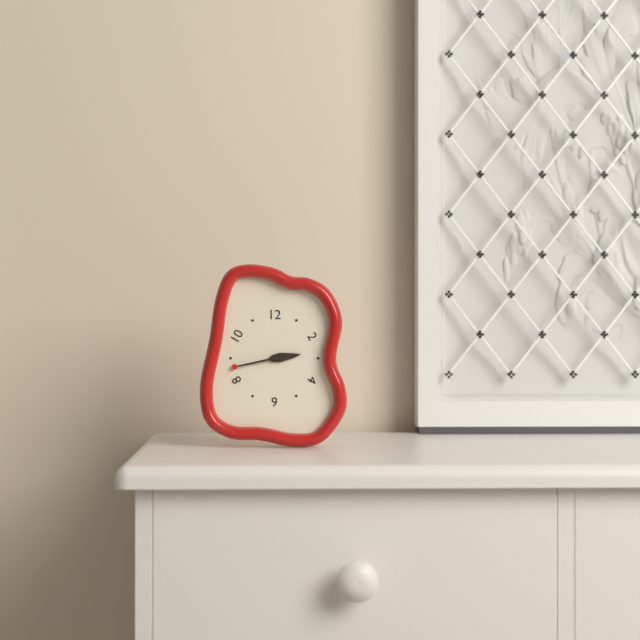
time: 2:43
